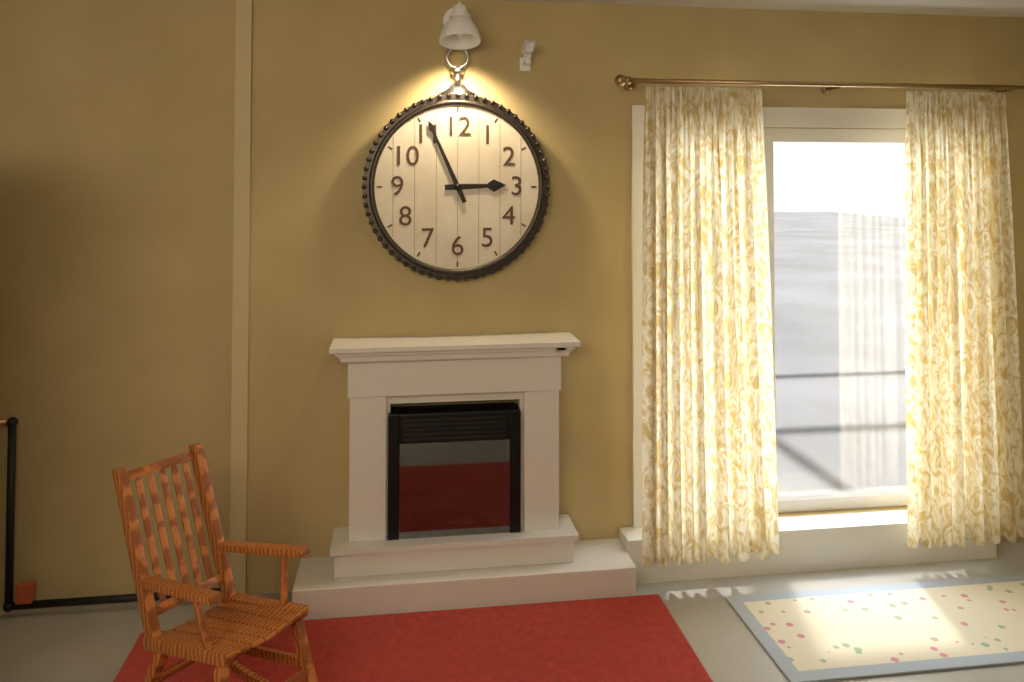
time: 2:56
